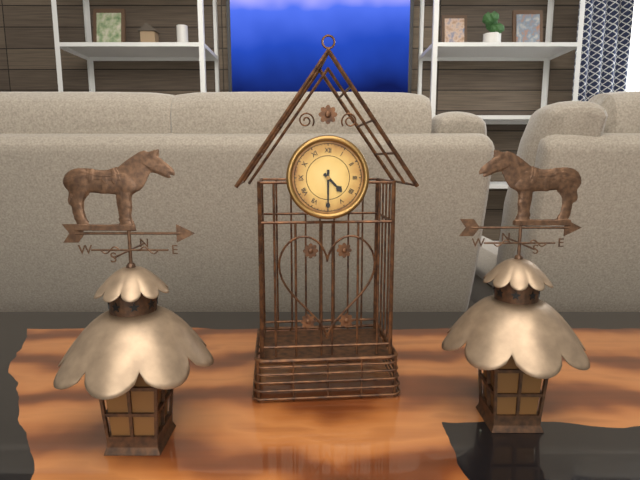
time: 4:30
